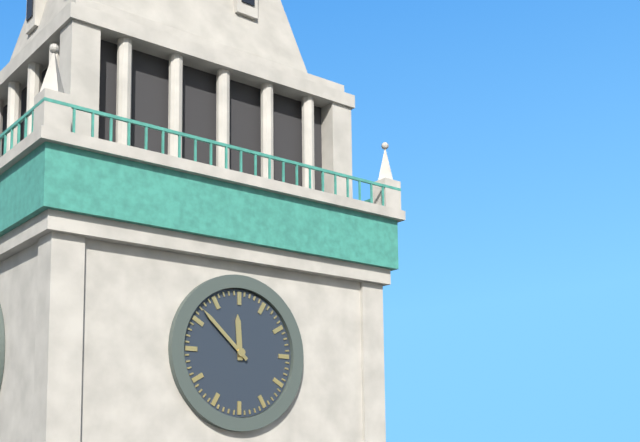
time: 11:52
